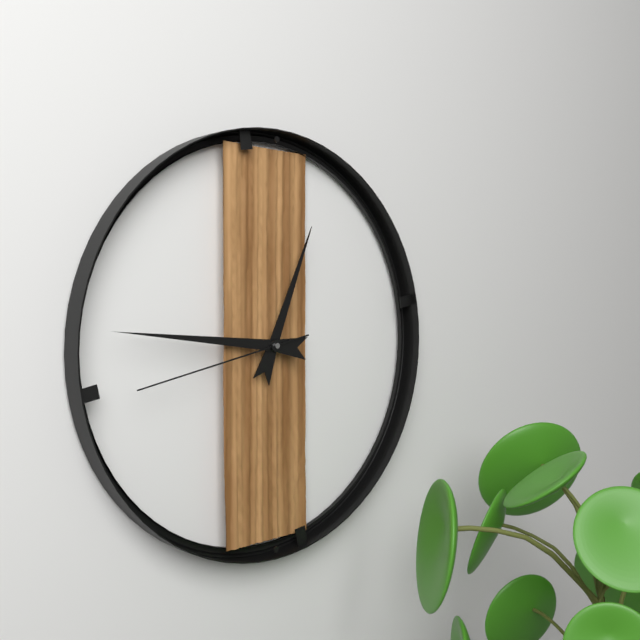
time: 12:46:43
